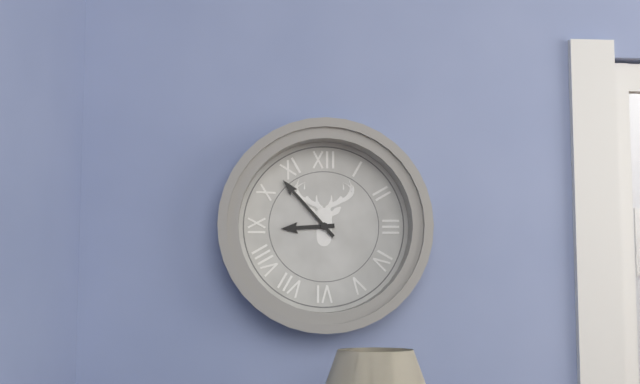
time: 8:53
